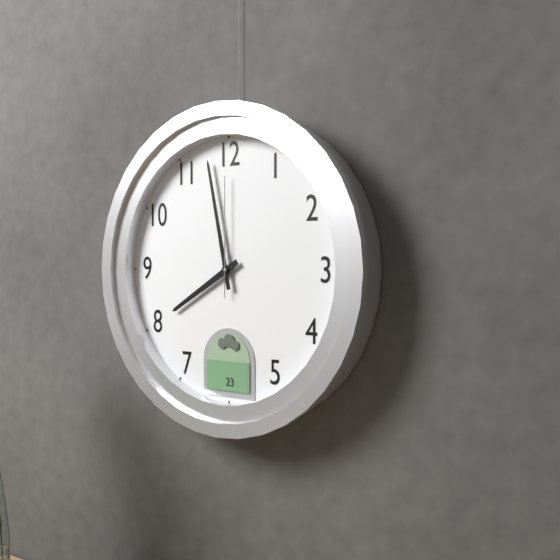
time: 7:58:00
